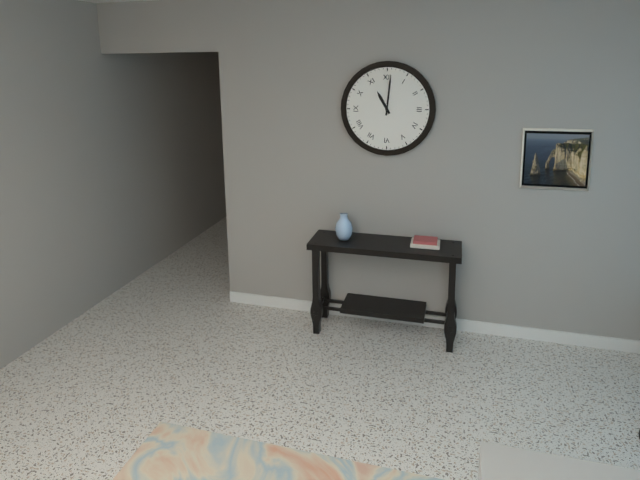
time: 11:01
